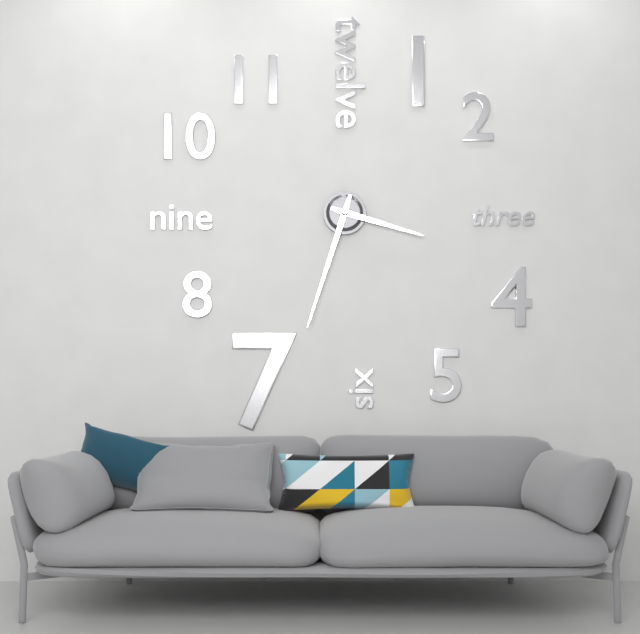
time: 3:33
